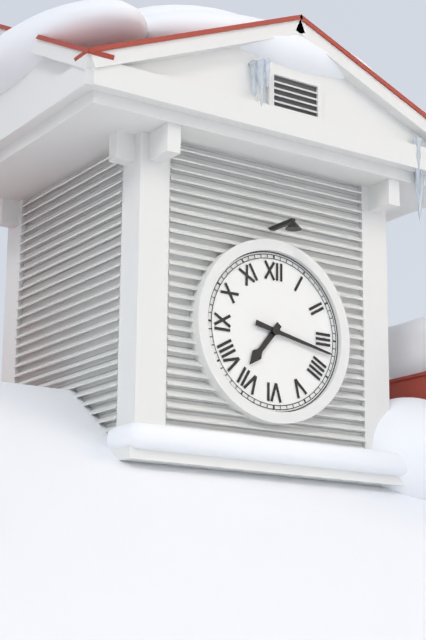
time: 7:17
